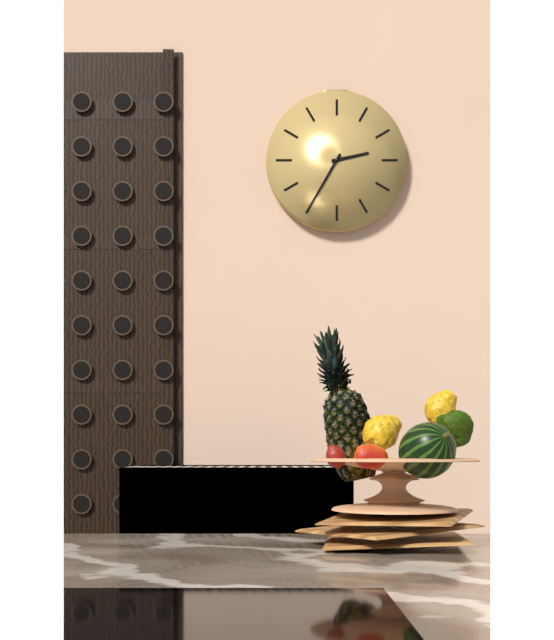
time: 2:35
